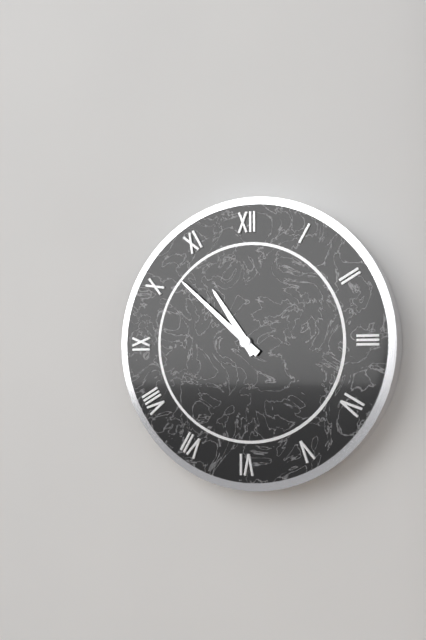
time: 10:52
